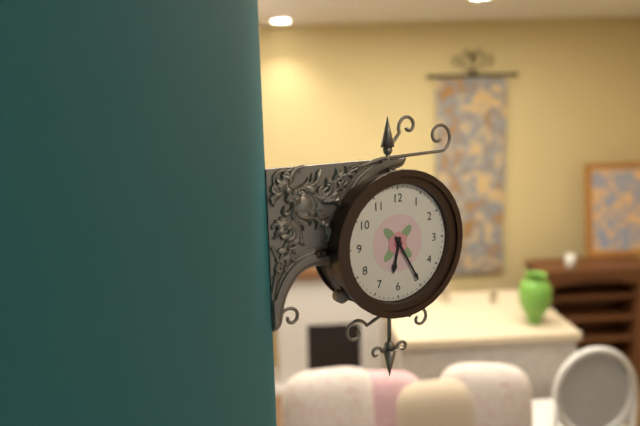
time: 6:25
